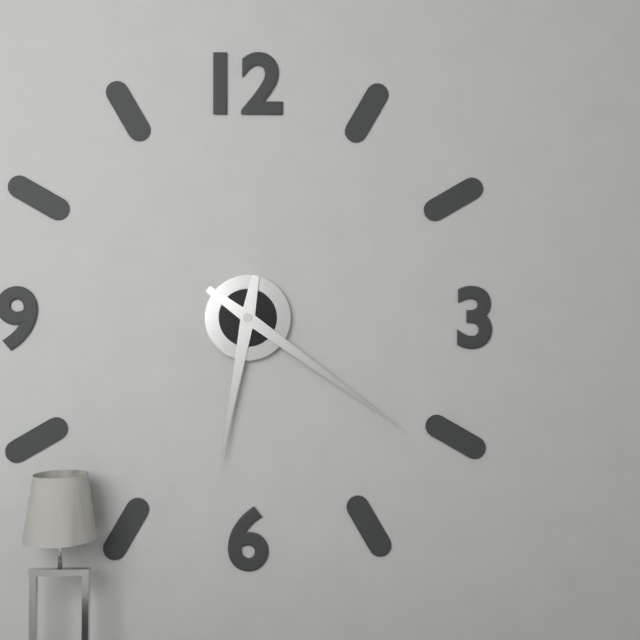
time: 6:21
